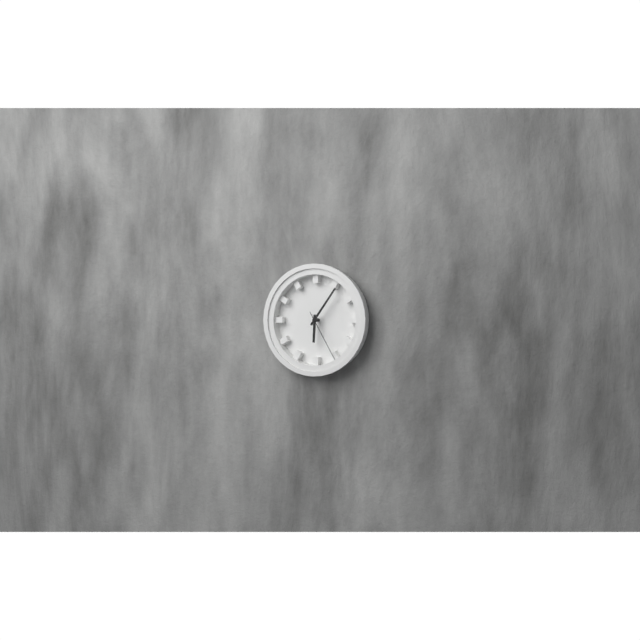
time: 6:06:25
